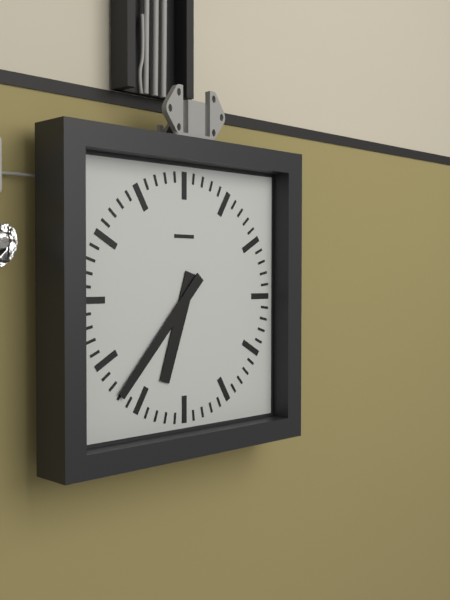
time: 6:37
